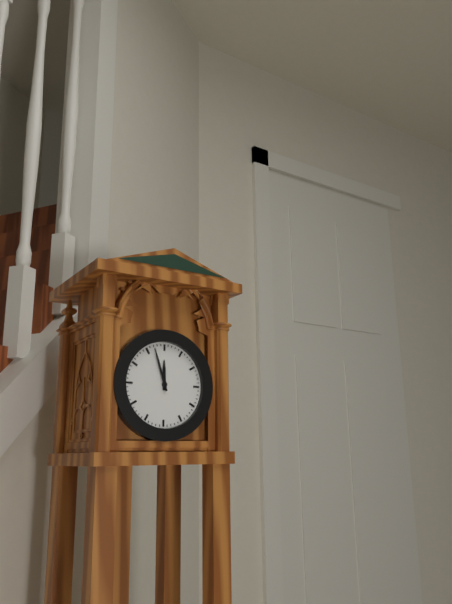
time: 11:57
